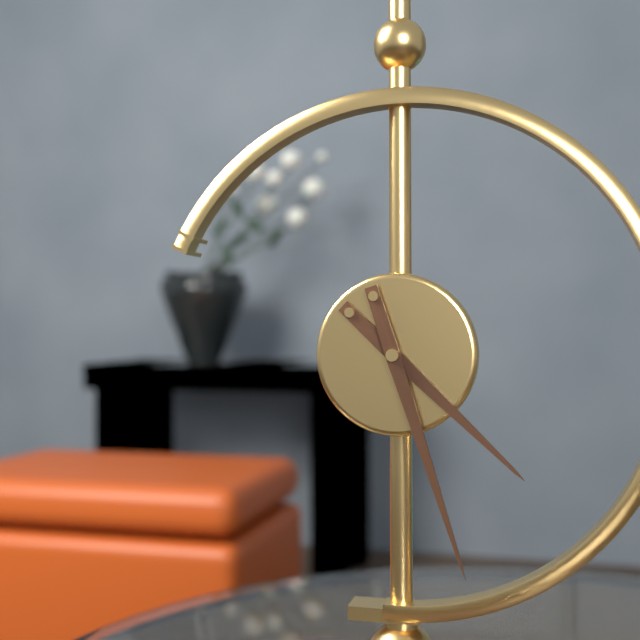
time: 4:27
